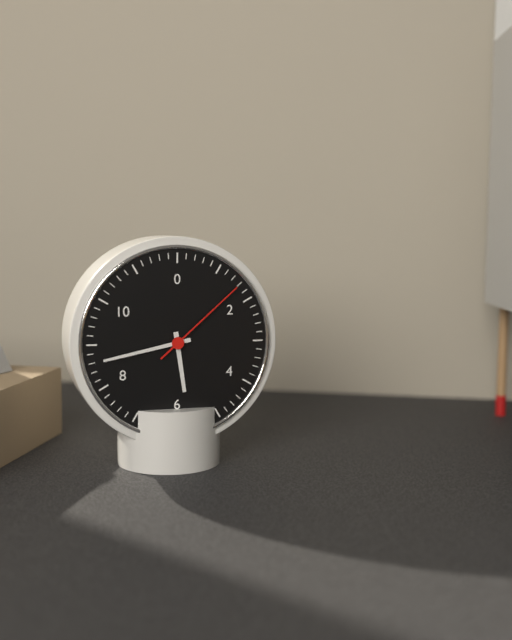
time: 5:43:08
